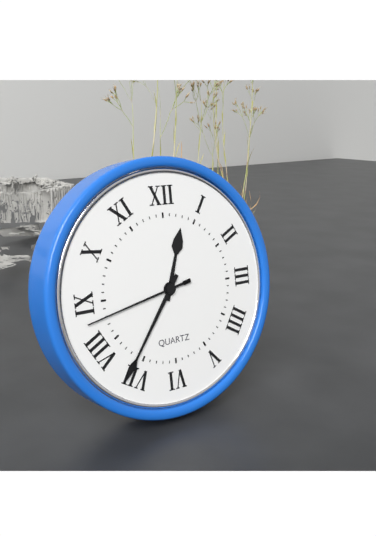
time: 12:36:43
